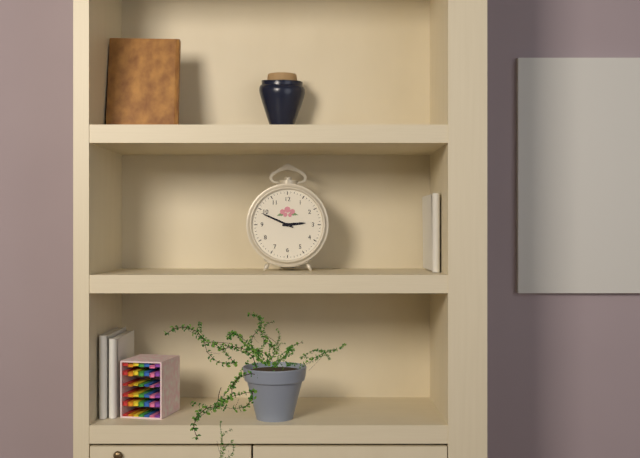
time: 2:49
